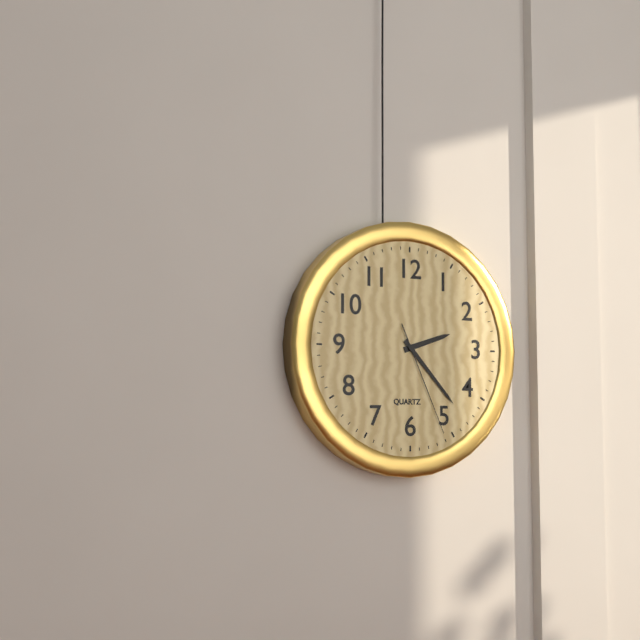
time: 2:23:26
